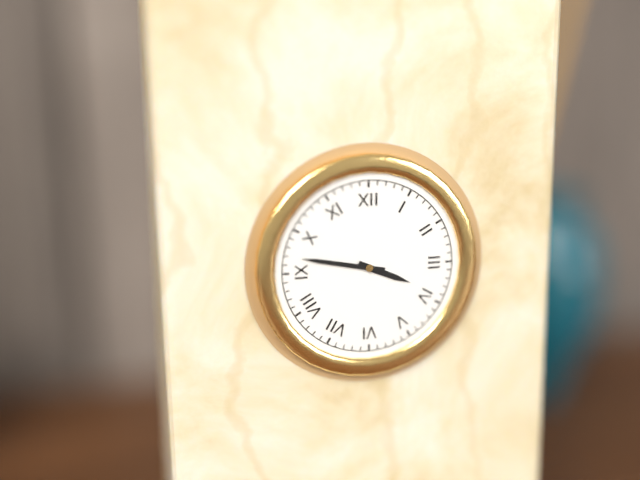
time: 3:47
